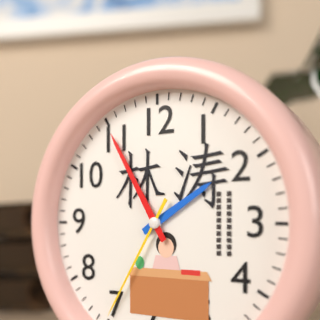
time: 1:55:35
